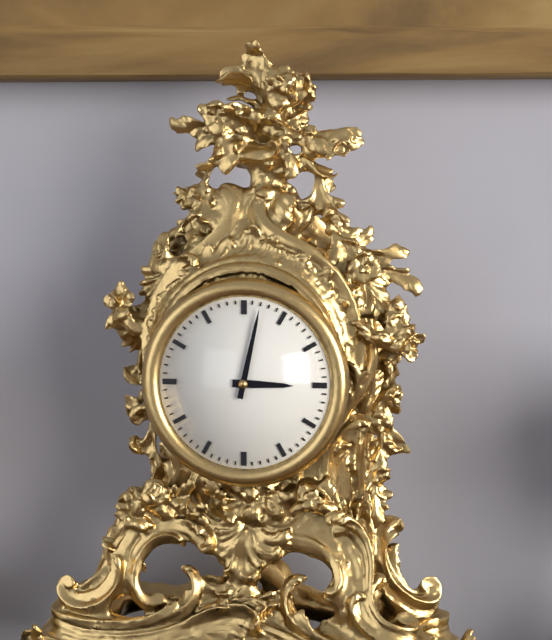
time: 3:02
